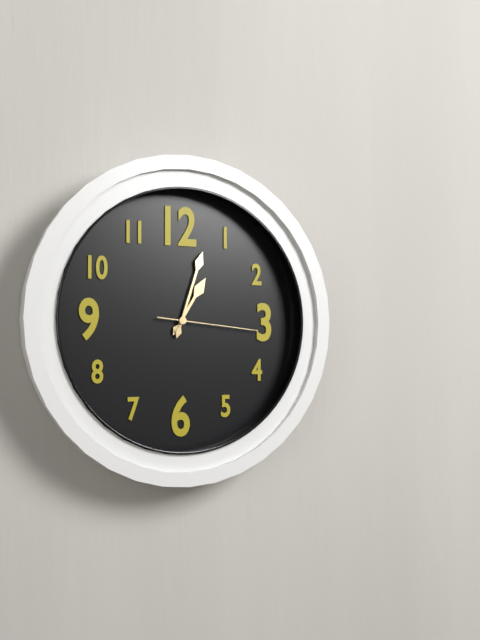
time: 1:03:16
